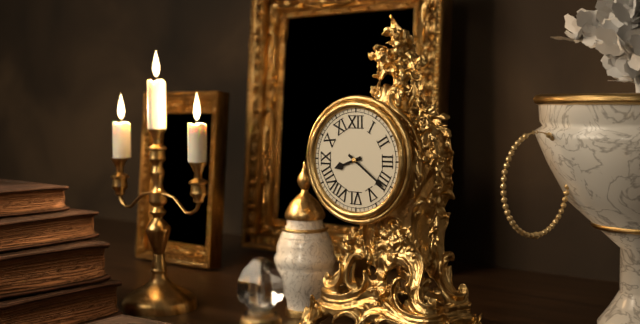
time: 8:21
